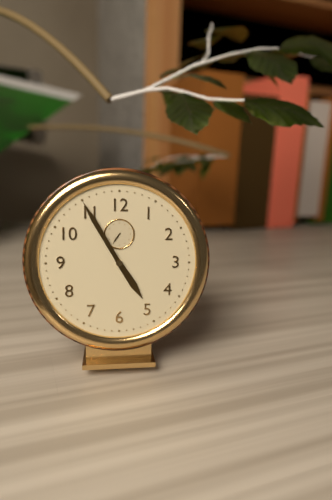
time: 4:55
